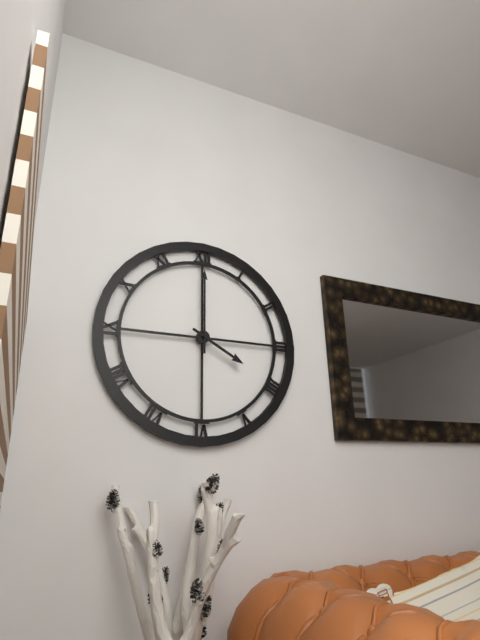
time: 4:00
